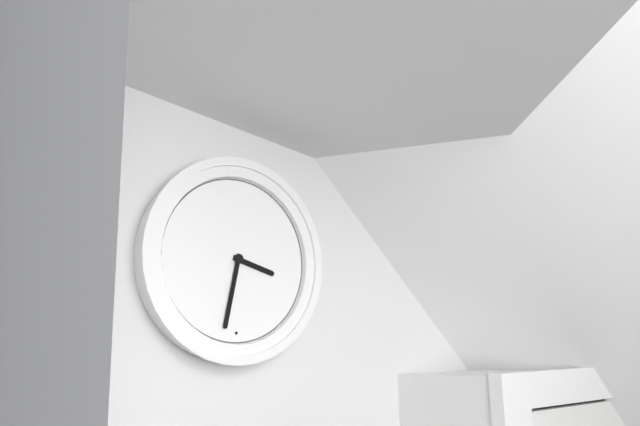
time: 3:32
